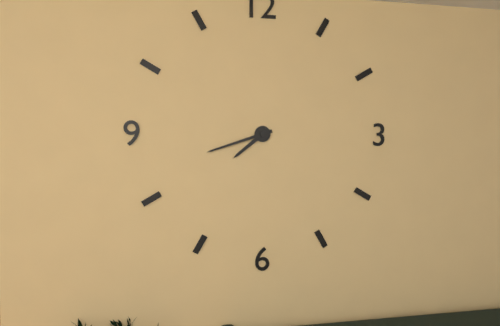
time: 7:42
